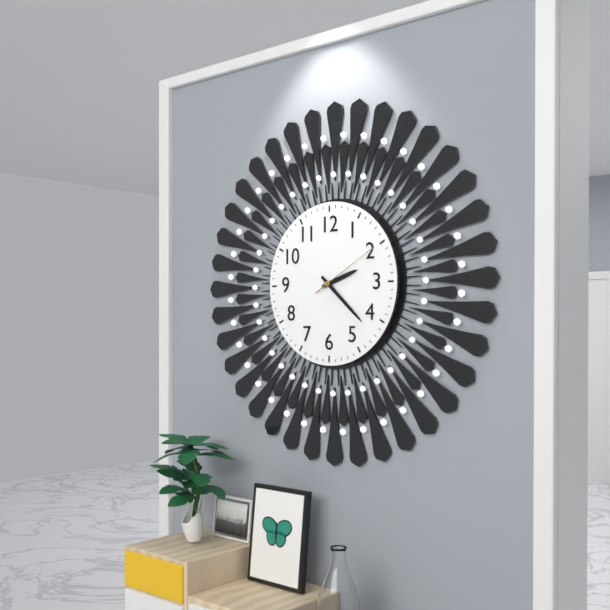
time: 2:22:10
